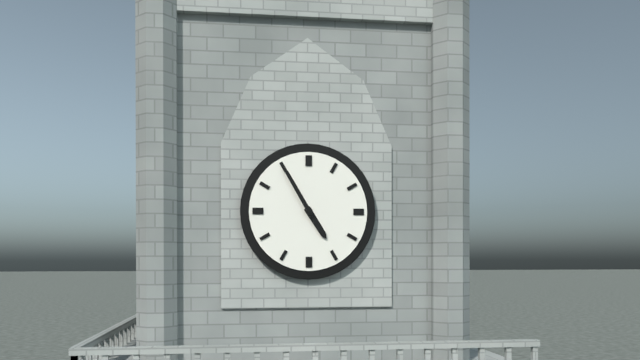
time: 4:55
